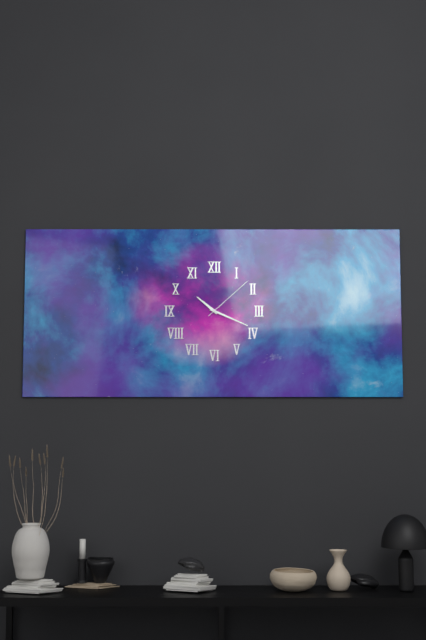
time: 10:19:08
